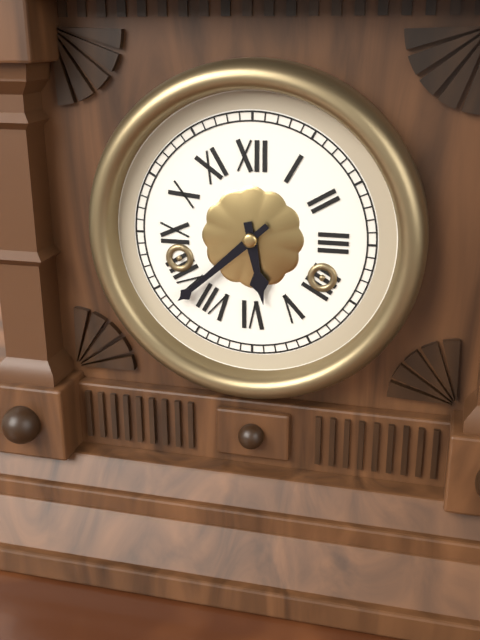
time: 5:38
